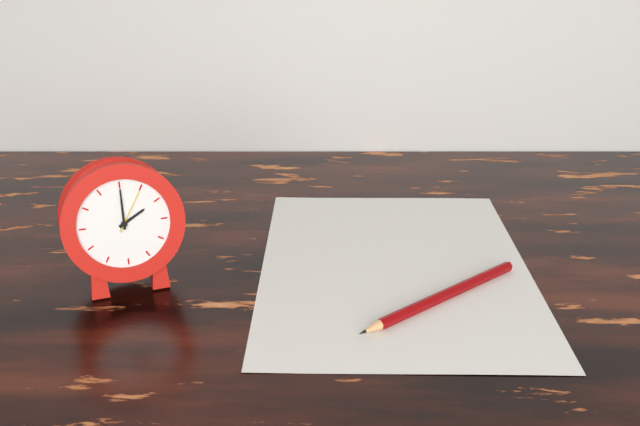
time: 2:00
